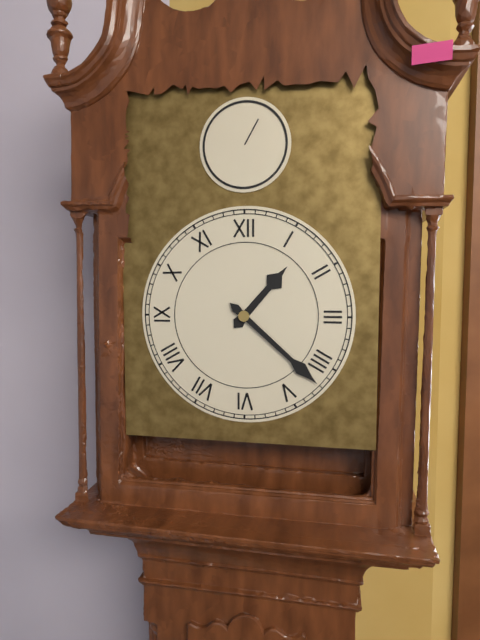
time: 1:22
